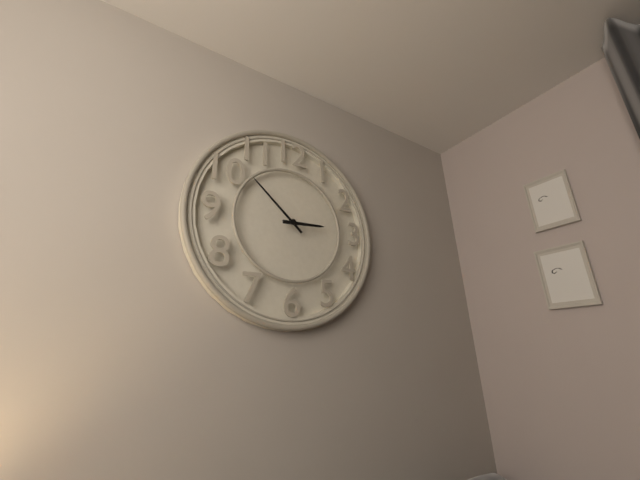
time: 2:52
